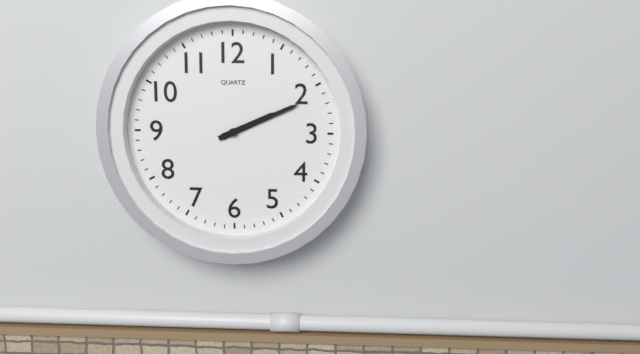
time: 2:11
